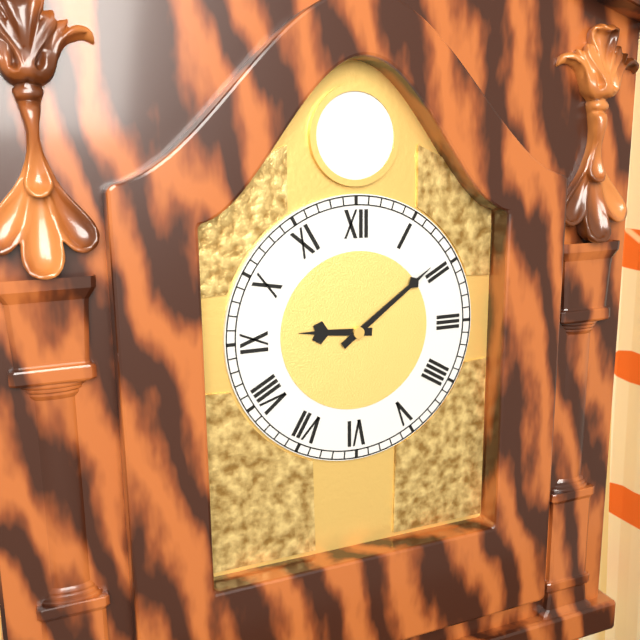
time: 9:09
